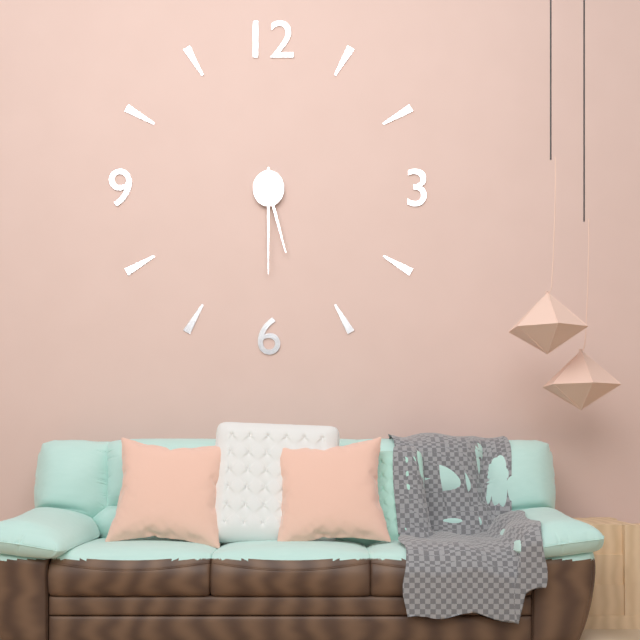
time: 5:30
